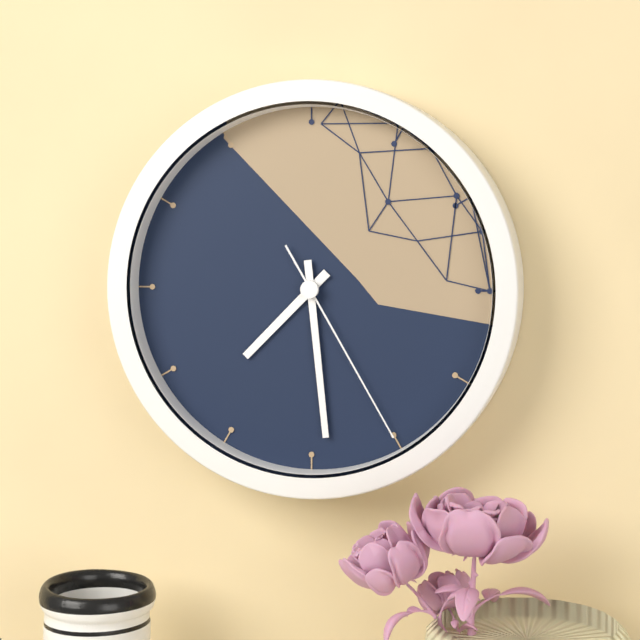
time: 7:29:25
